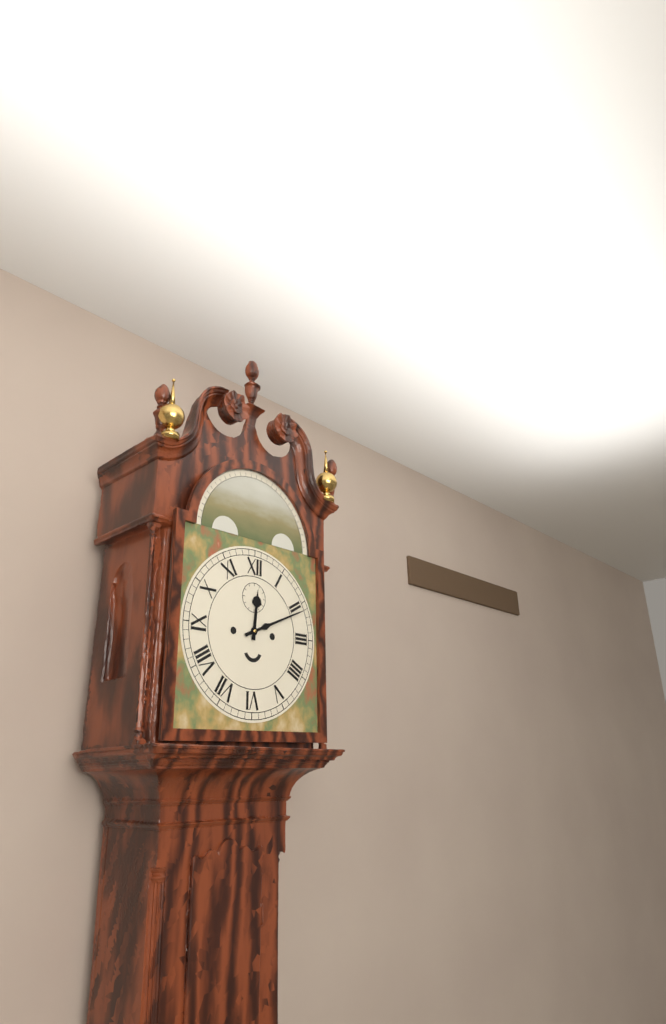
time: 12:11
